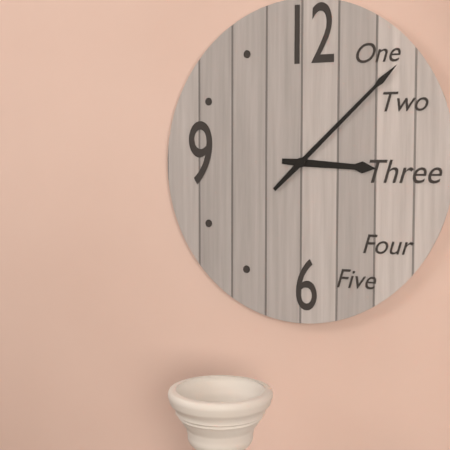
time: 3:08
